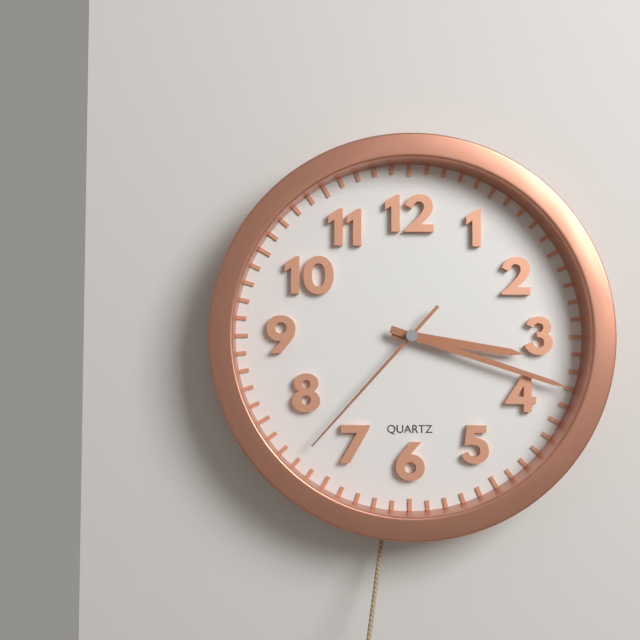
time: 3:18:37
